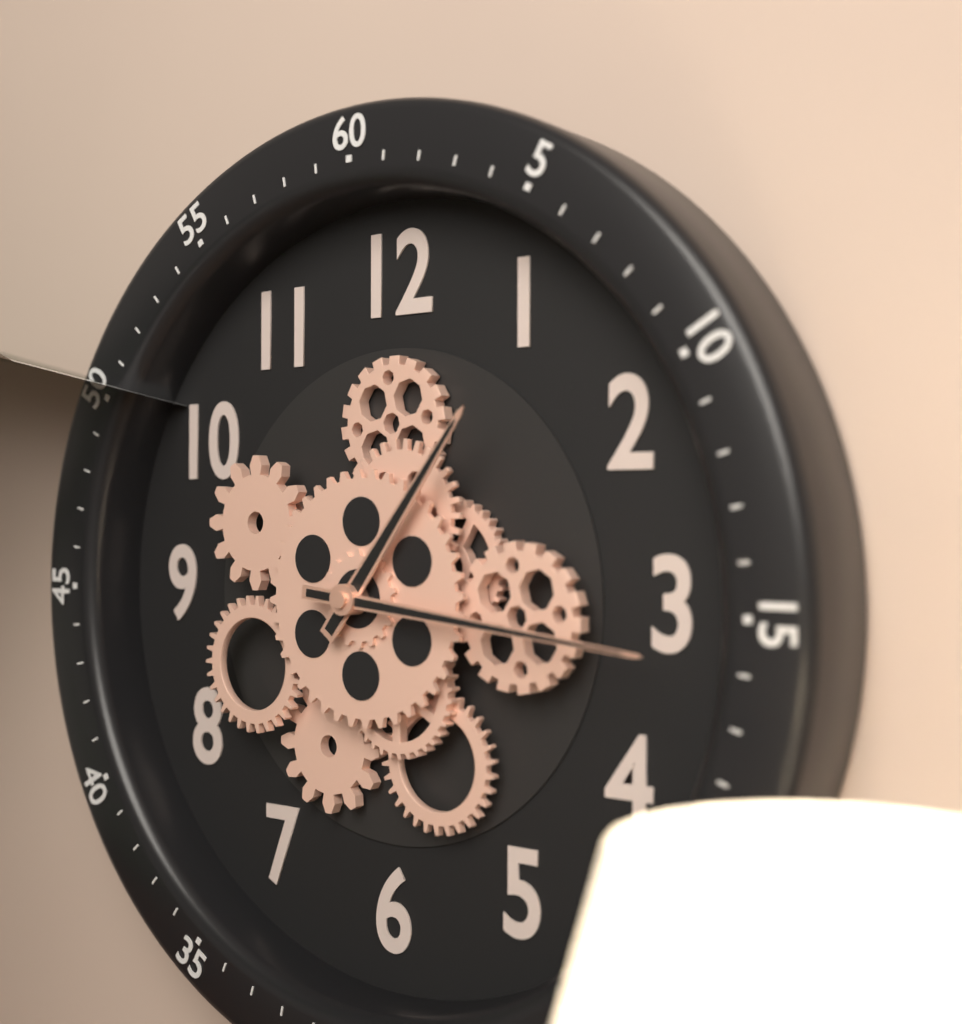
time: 1:16
